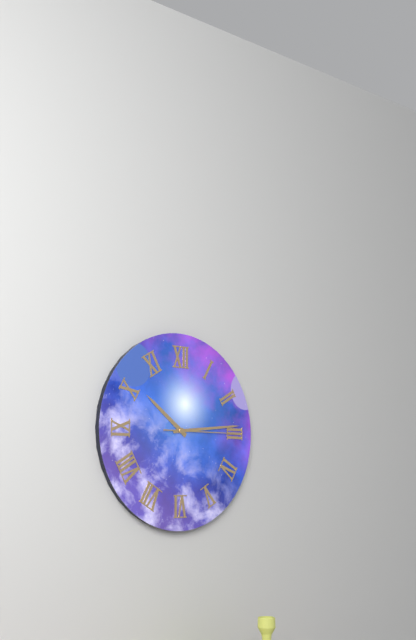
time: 10:14:15
